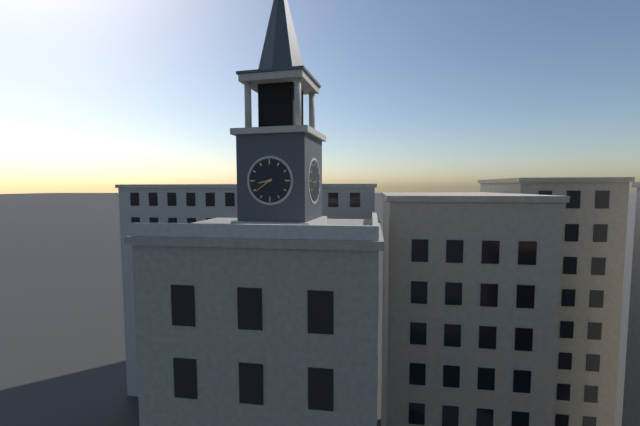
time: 8:39
